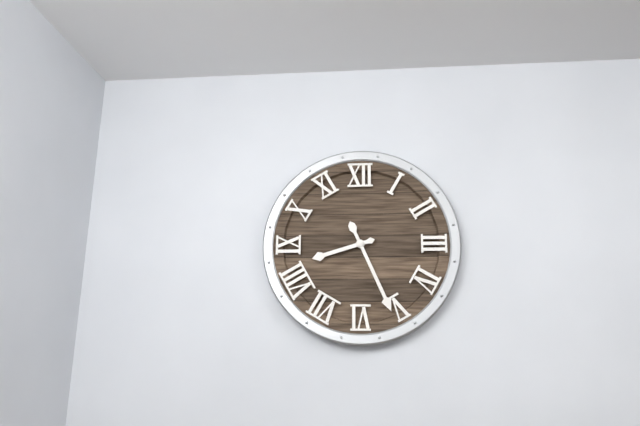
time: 8:26
